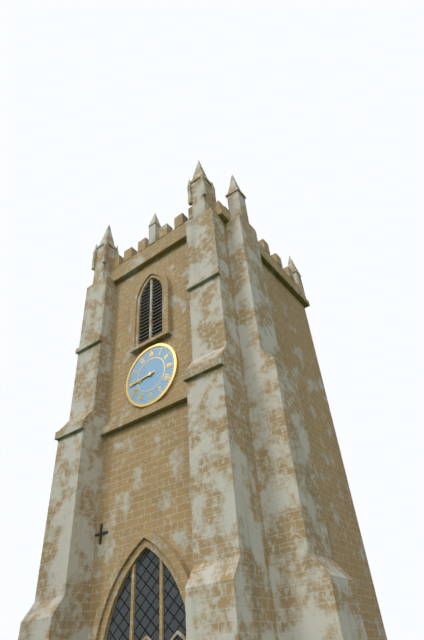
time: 8:44
